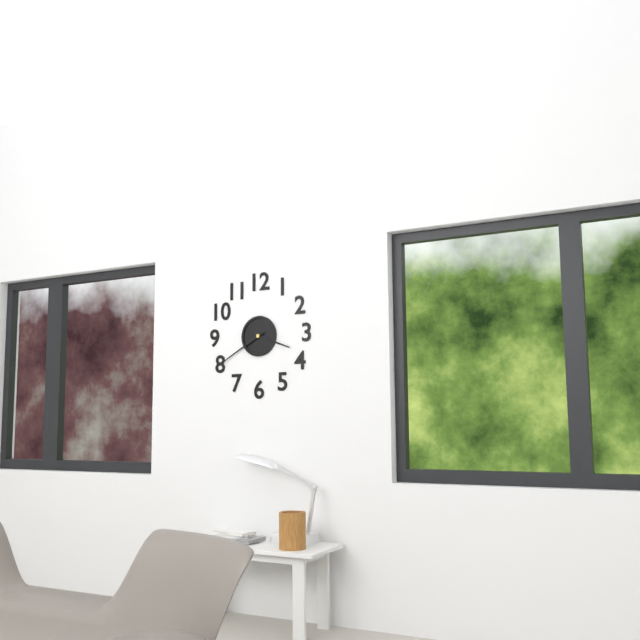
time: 3:40
